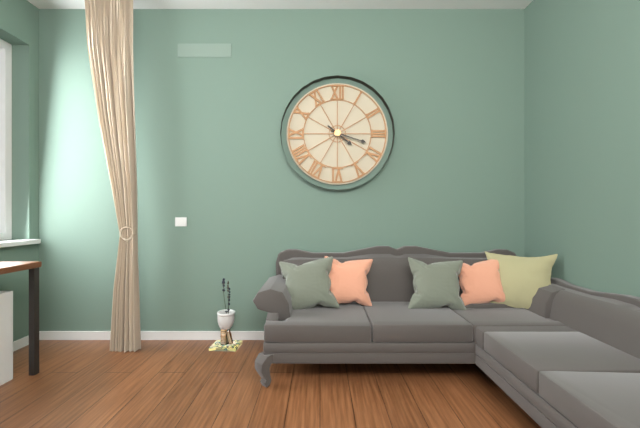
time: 4:18
